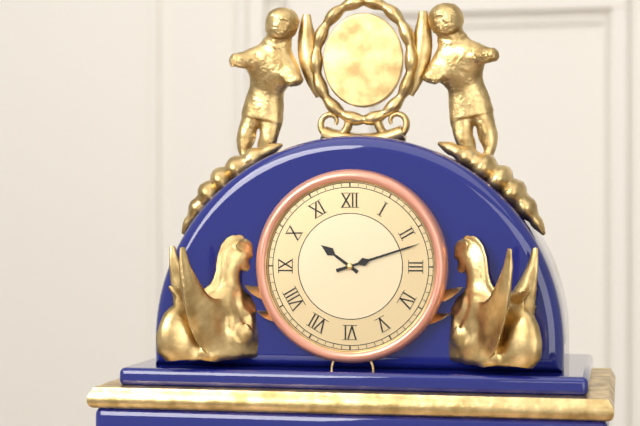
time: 10:12
